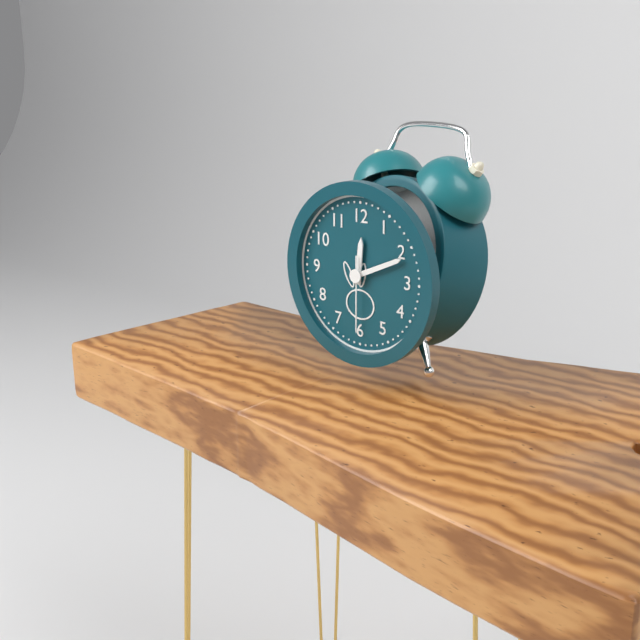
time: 12:11:30
